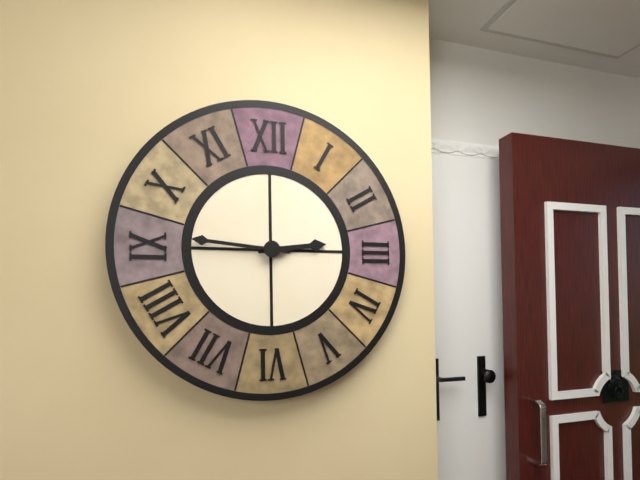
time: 2:46
